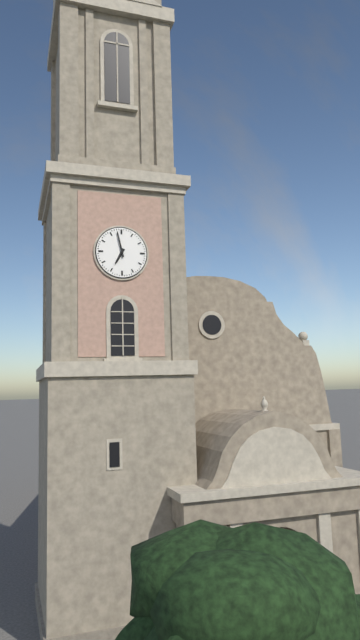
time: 6:58
